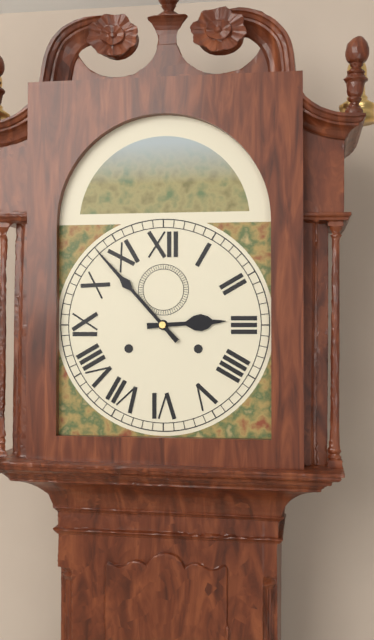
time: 2:53
